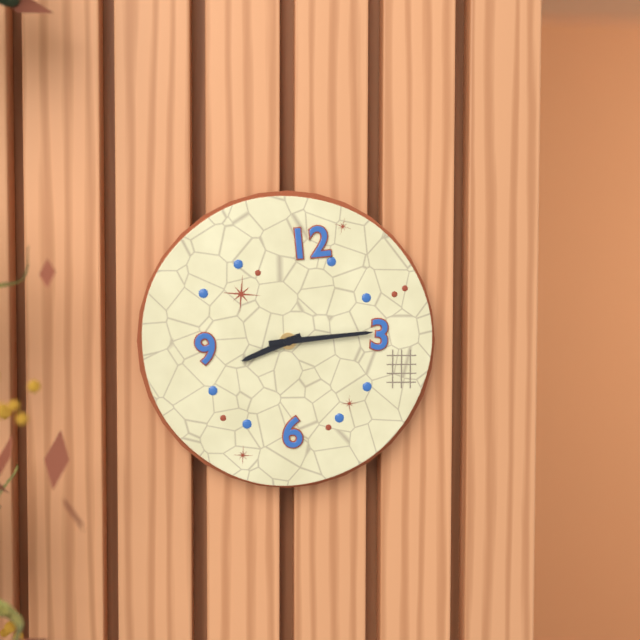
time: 8:14
